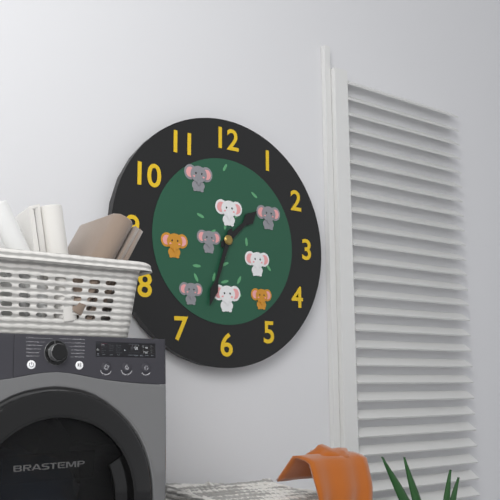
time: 1:33
